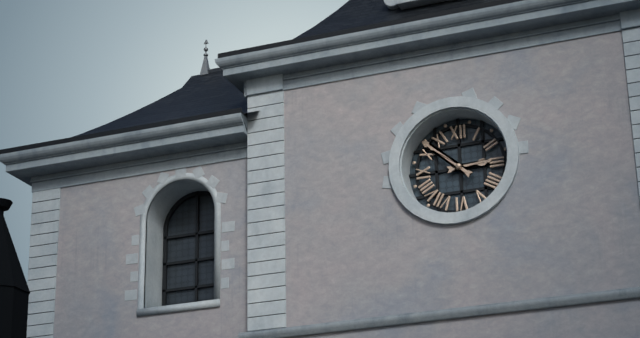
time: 2:52
